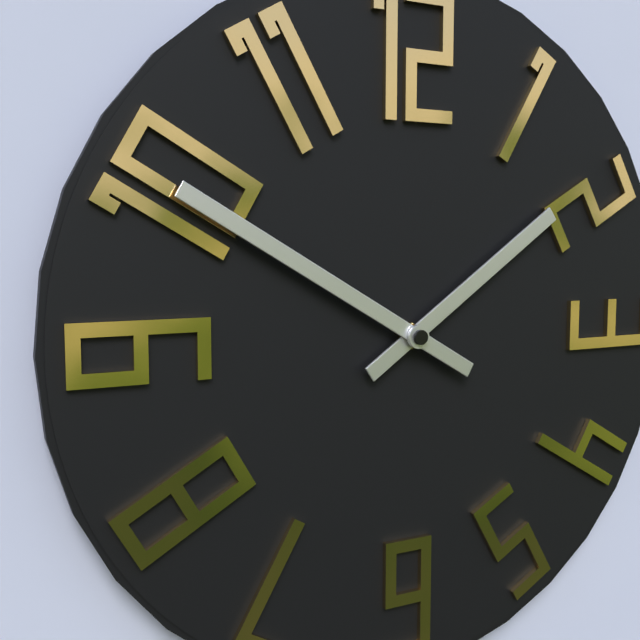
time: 1:50
